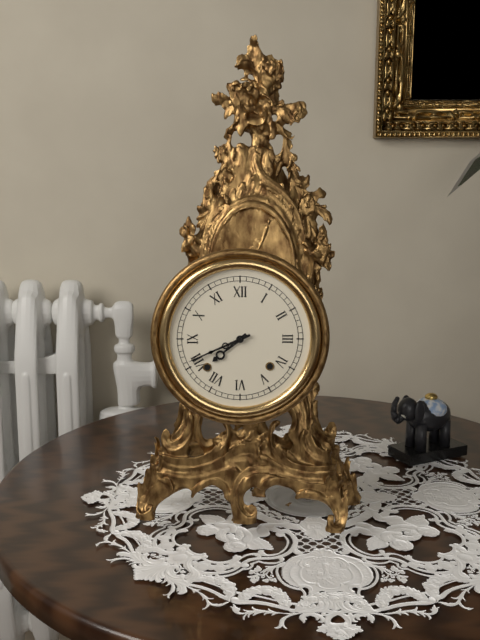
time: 7:41
